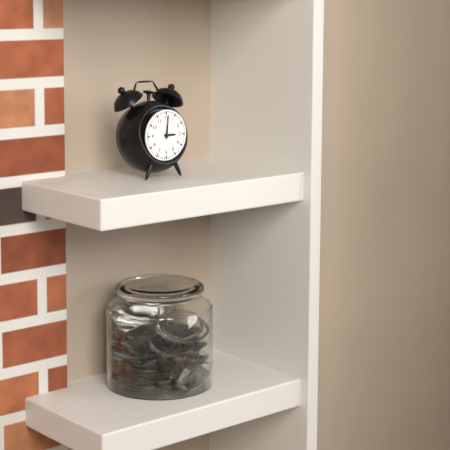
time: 3:01
